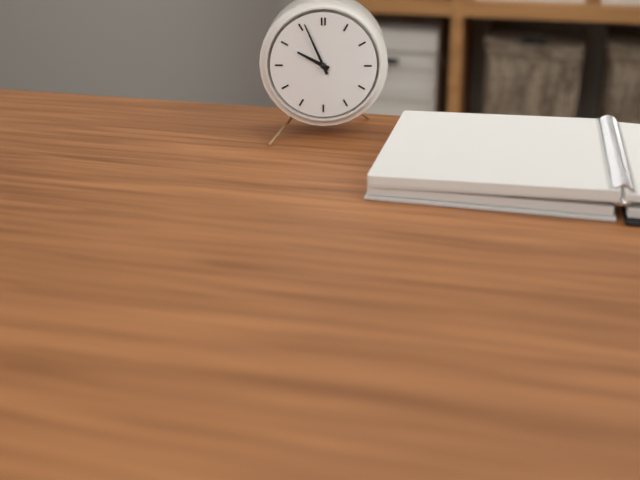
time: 9:56
